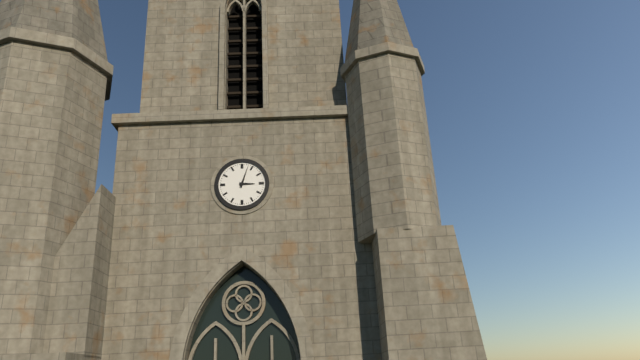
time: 3:03
